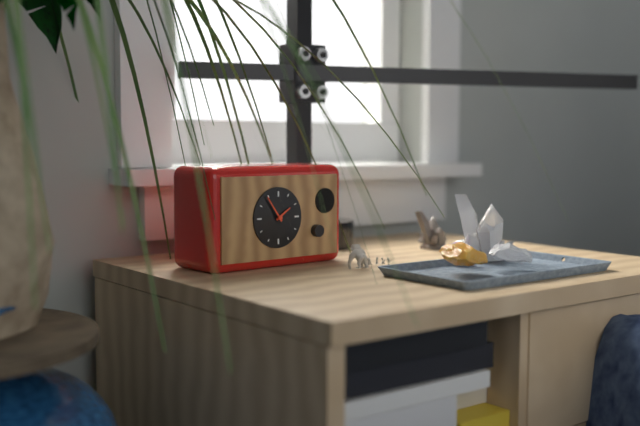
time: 1:54
